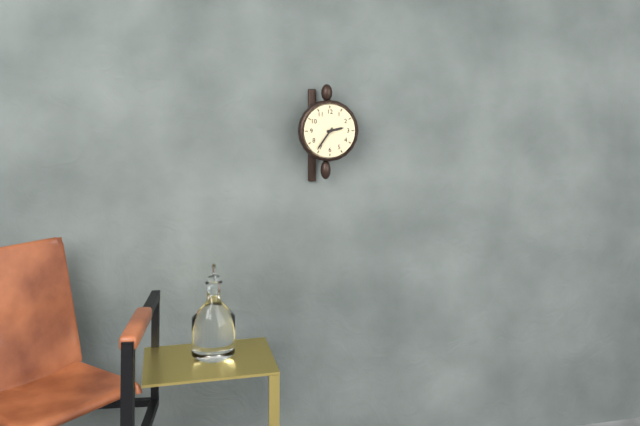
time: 2:36
